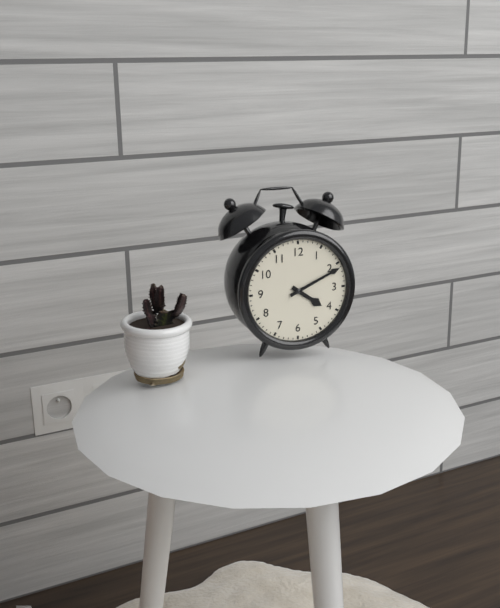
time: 4:11
